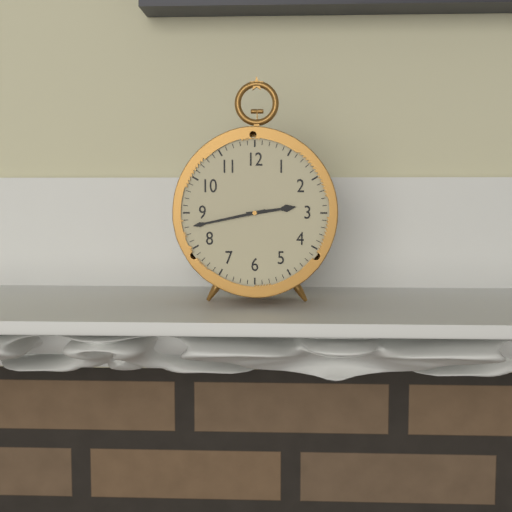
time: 2:43
